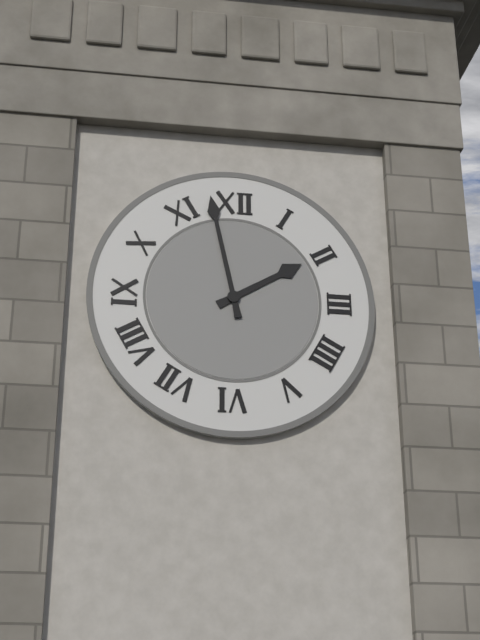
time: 1:58
